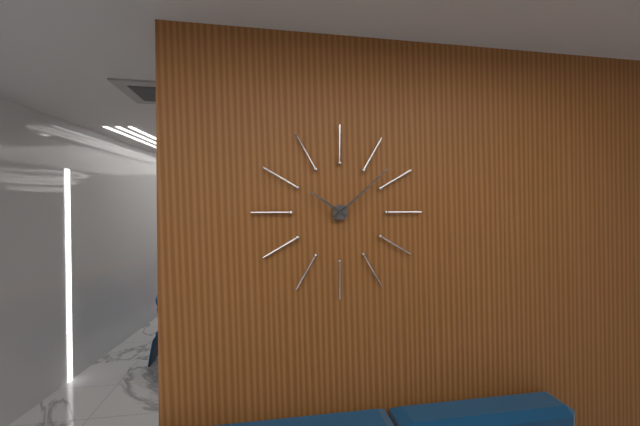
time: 10:08
